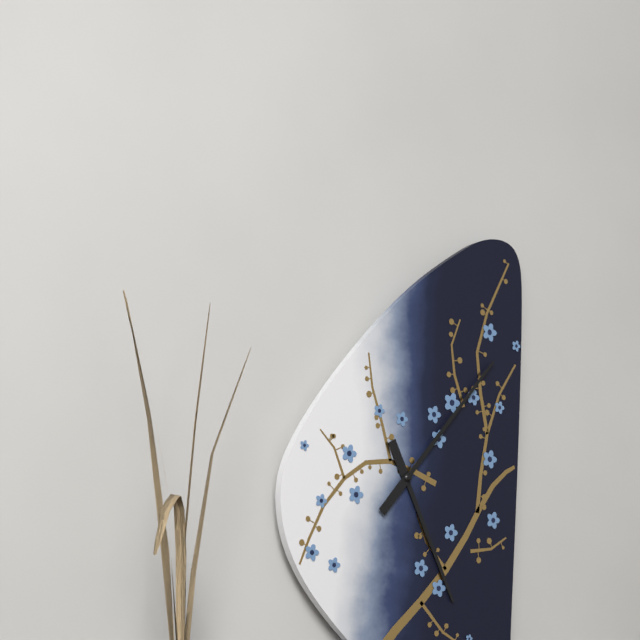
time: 5:07
